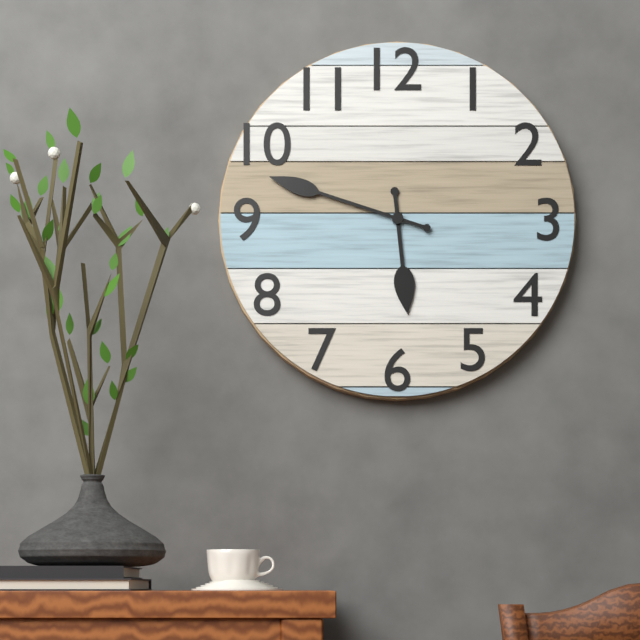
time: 5:48
